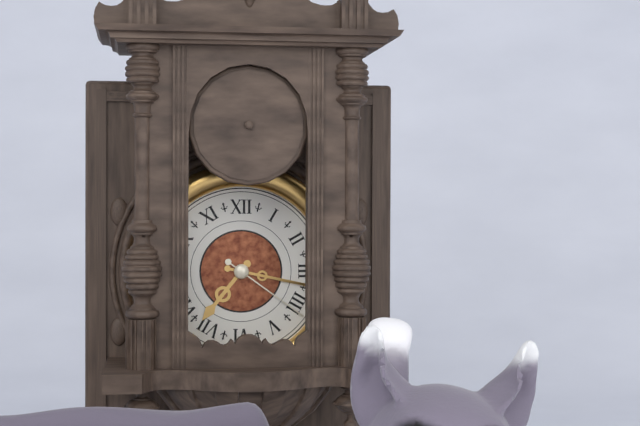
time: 7:17:21
